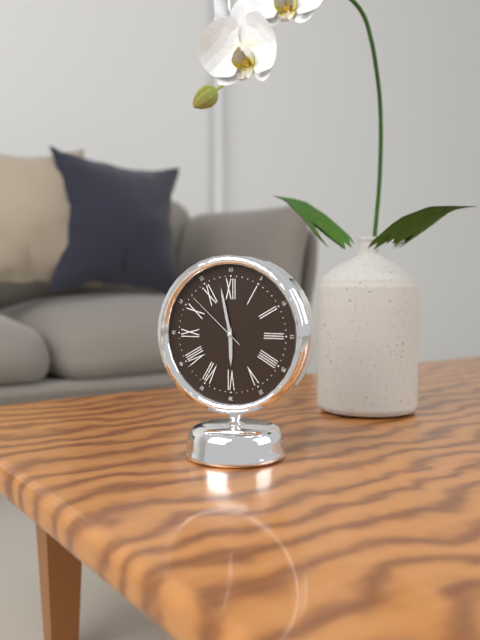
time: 5:58:52
